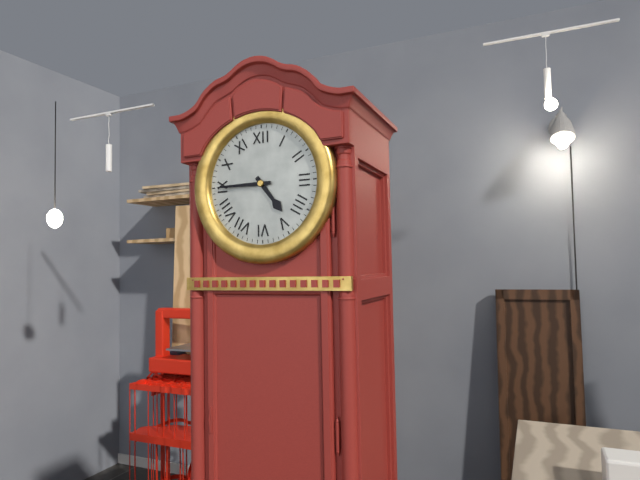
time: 4:45
